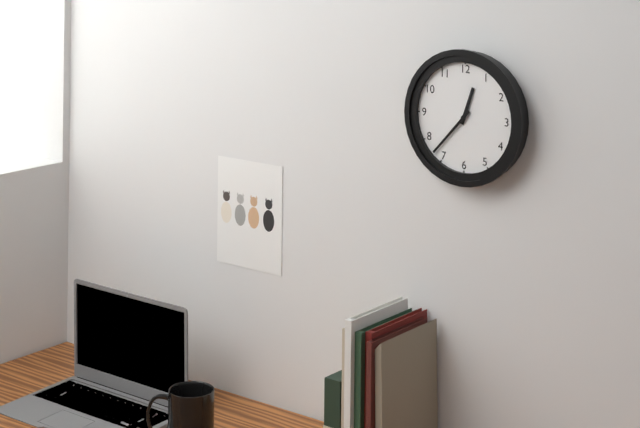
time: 12:37
